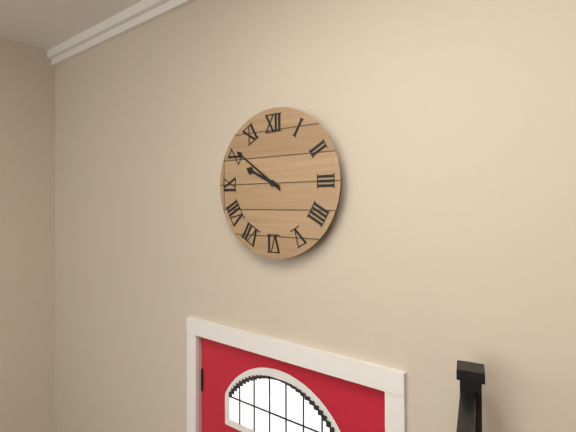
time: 9:51
